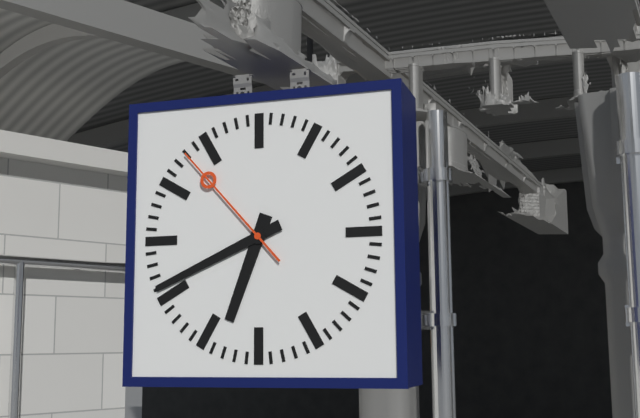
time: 6:41:53
